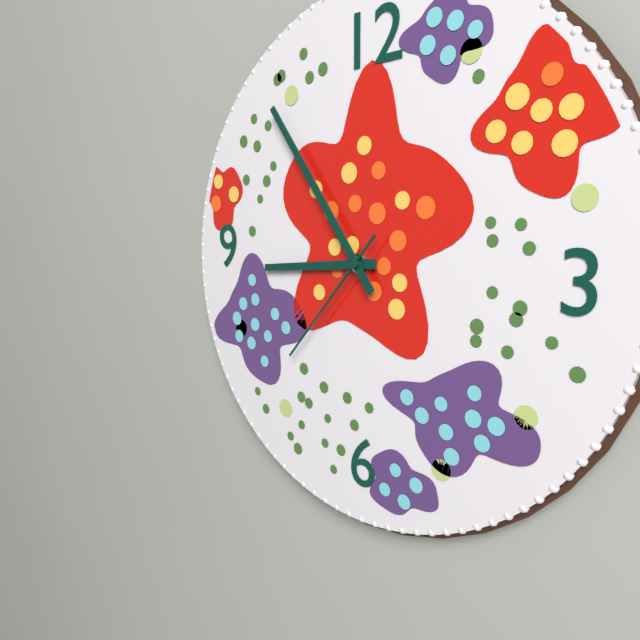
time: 8:54:37
